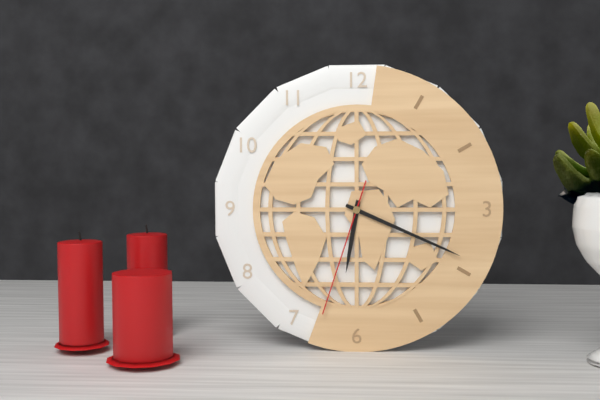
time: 6:19:33
